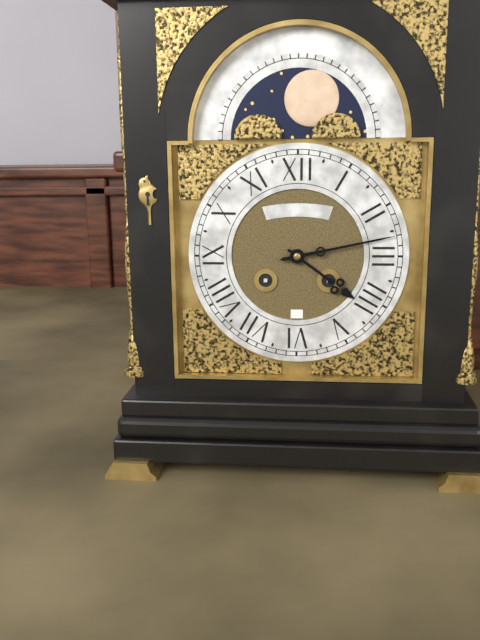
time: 4:13
